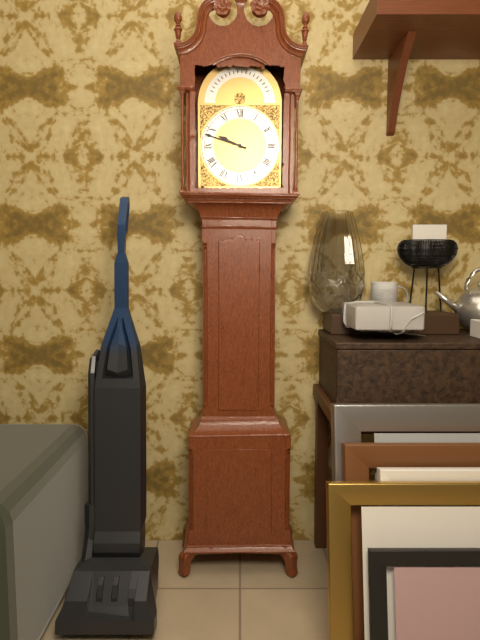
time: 9:48
